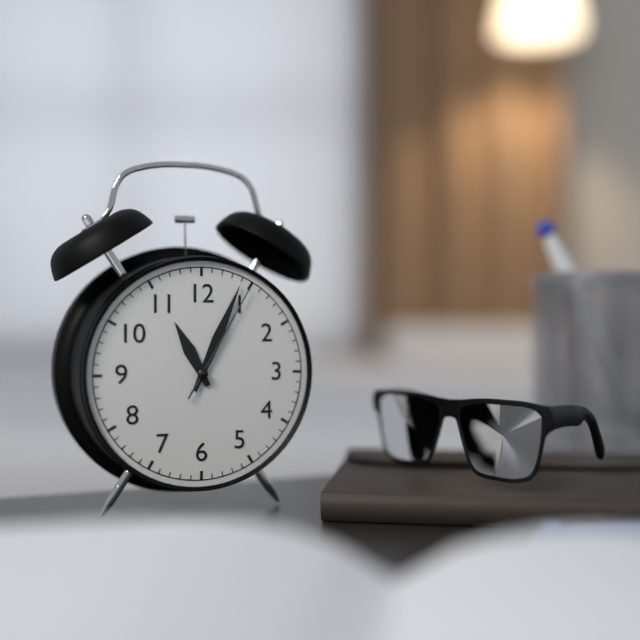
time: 11:04:05
